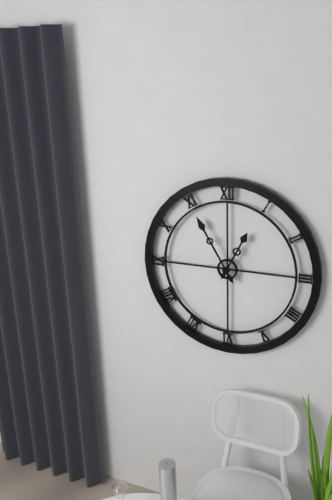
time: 12:55
